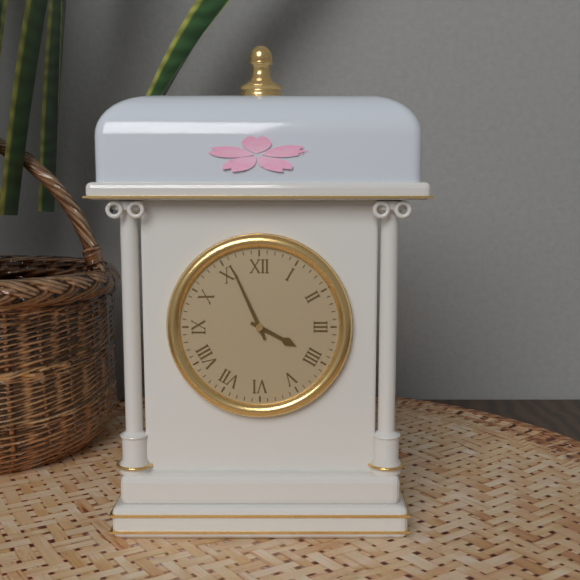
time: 3:56
